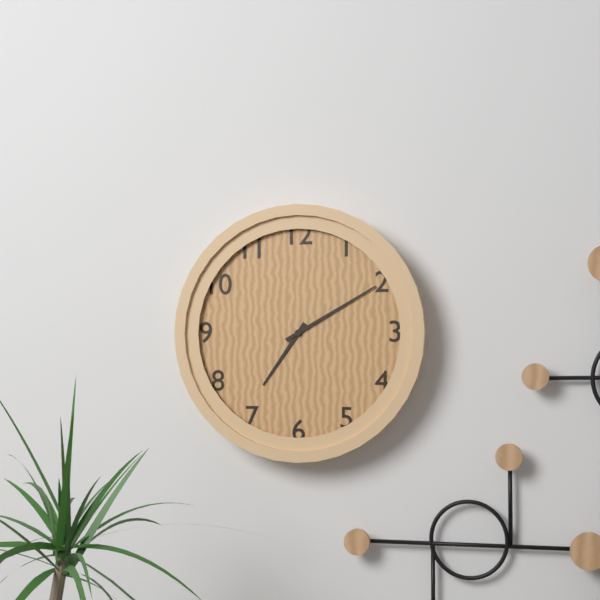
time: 7:10
